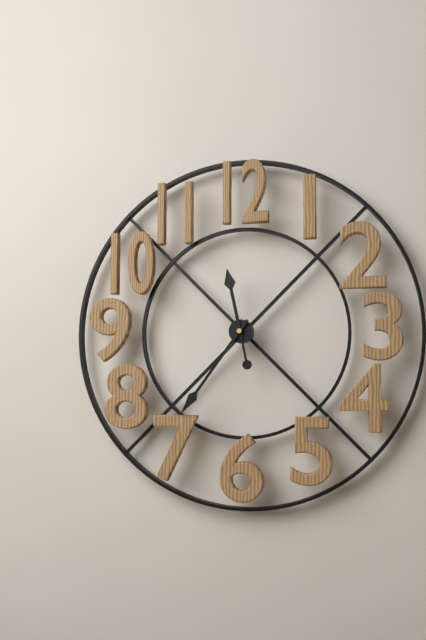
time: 11:36
